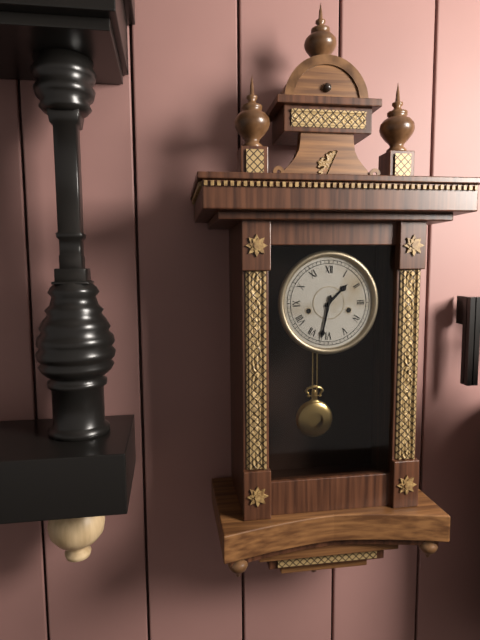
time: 1:32
